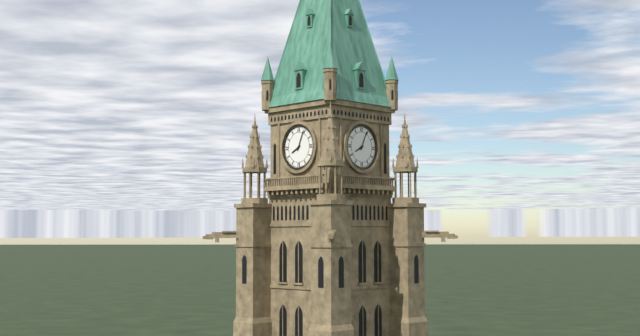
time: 8:04
